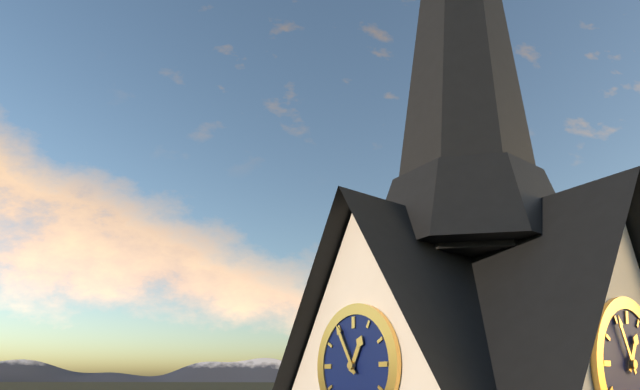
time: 12:55
